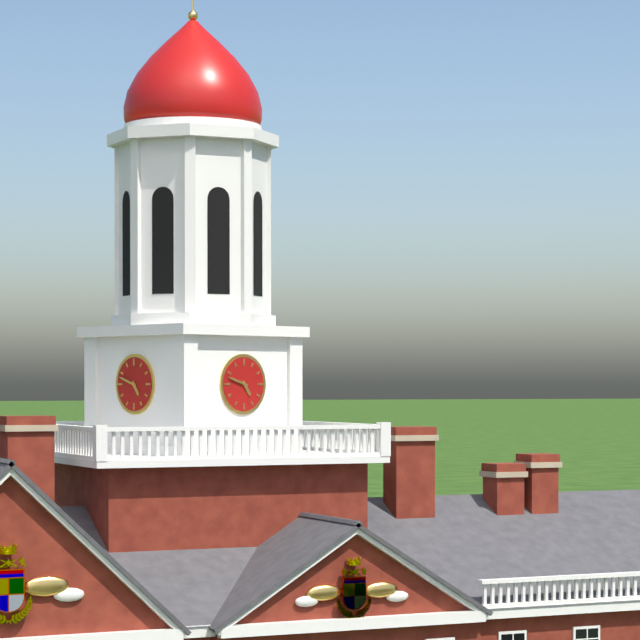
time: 4:48
